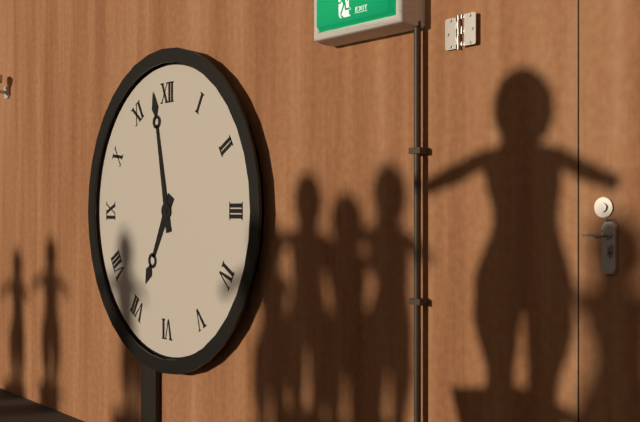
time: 6:58
